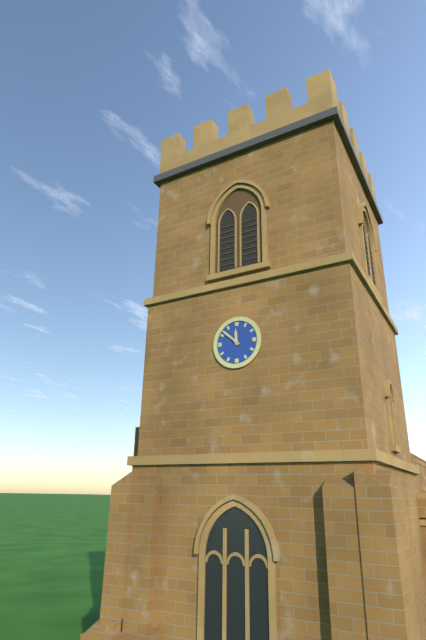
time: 11:52
